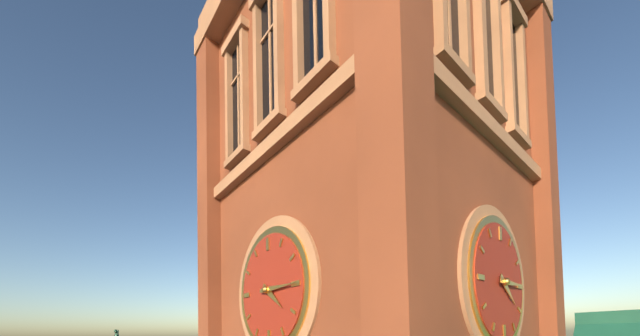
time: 4:15
